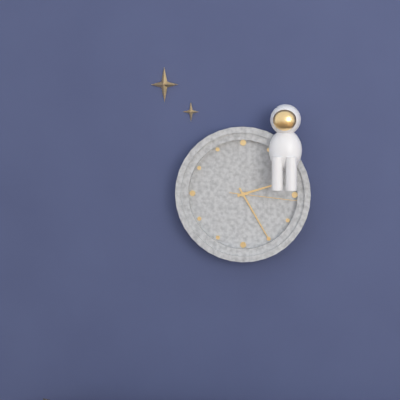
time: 2:25:16
